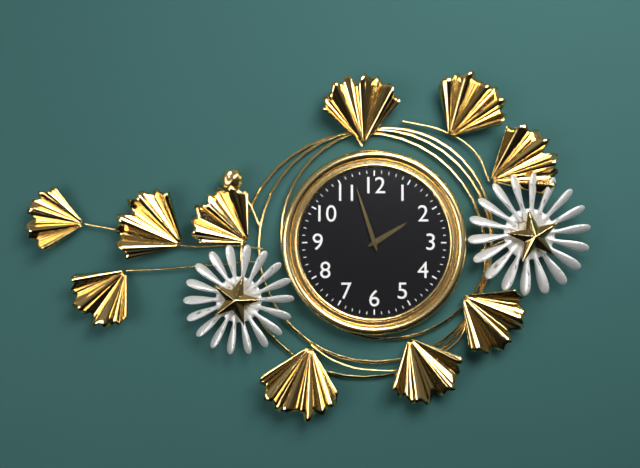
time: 1:57
